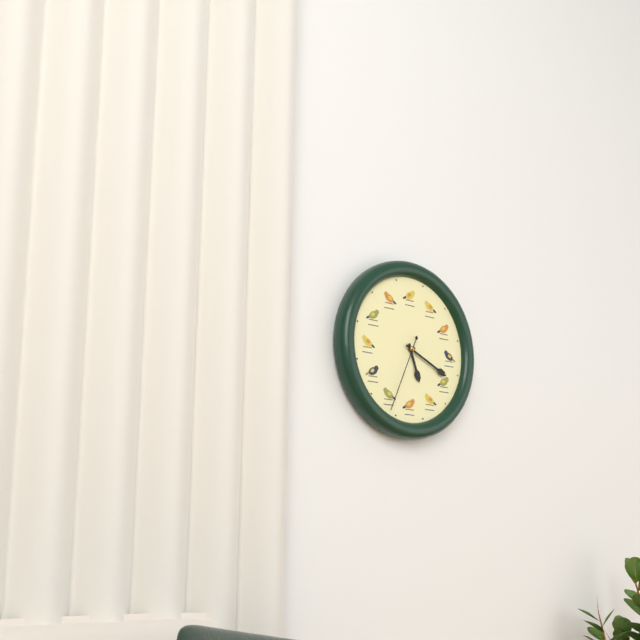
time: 5:19:34
